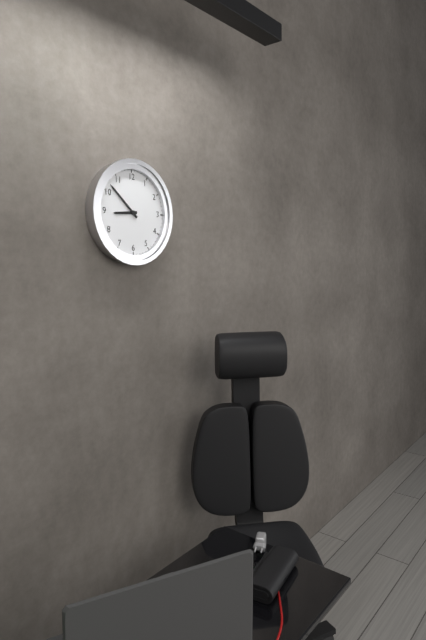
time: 8:52
